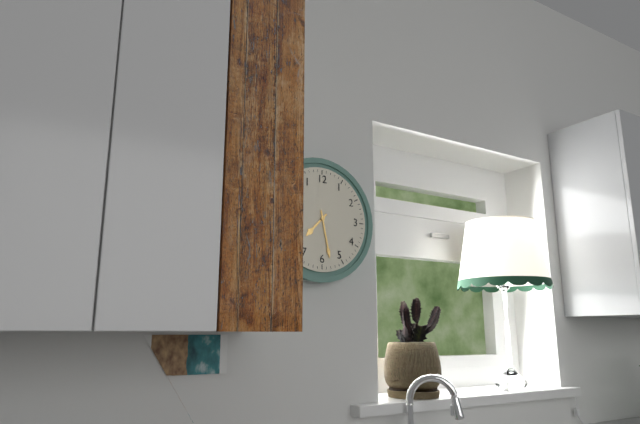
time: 7:28
